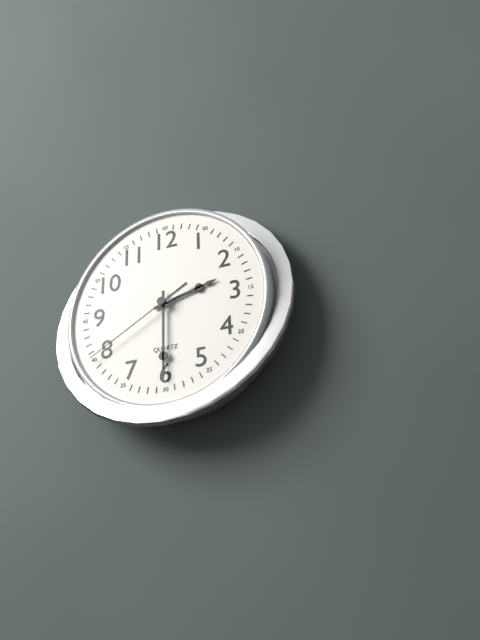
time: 2:30:40
